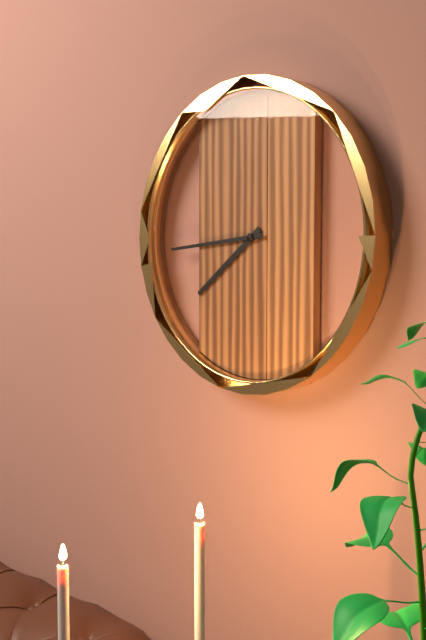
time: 7:44
